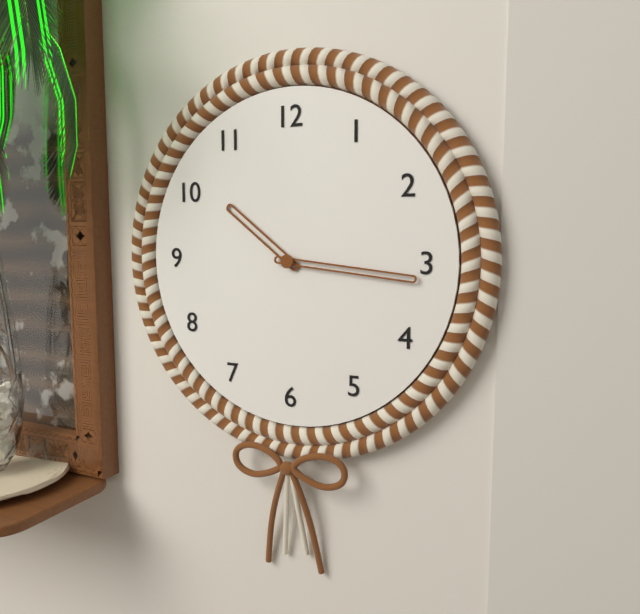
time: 10:16
